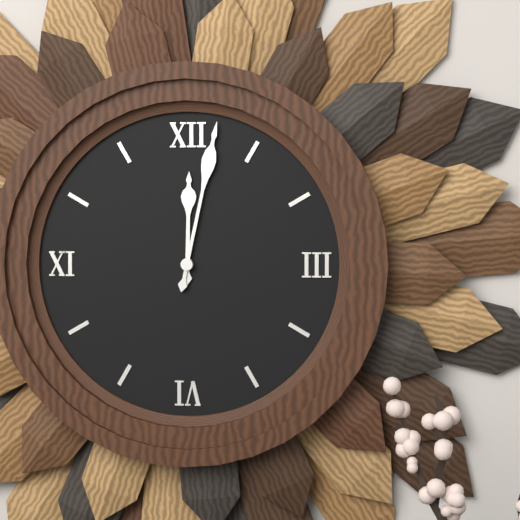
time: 12:02
